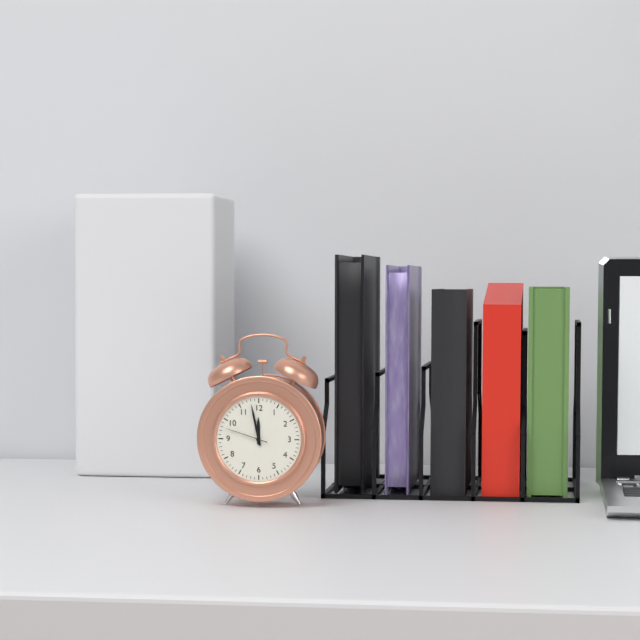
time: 11:58
